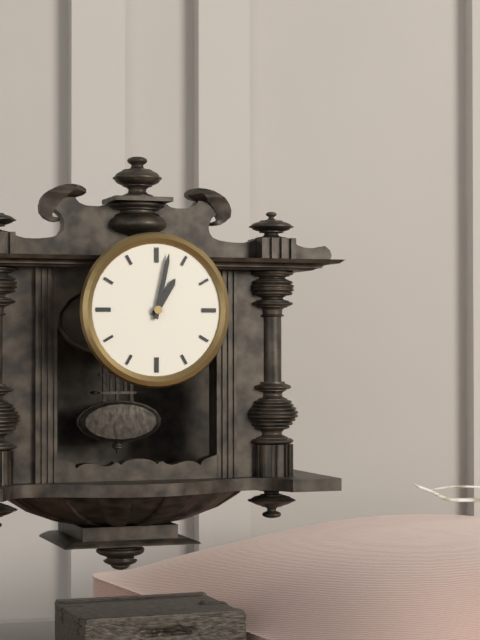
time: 1:02
